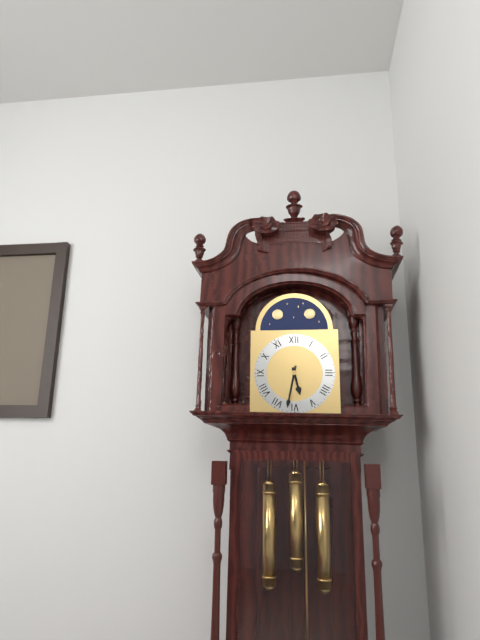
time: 5:32
